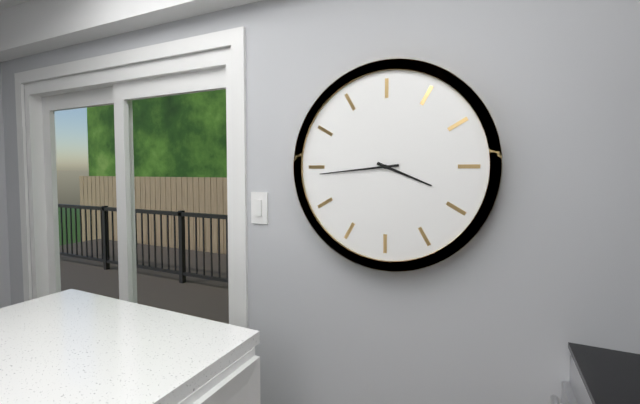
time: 3:44
